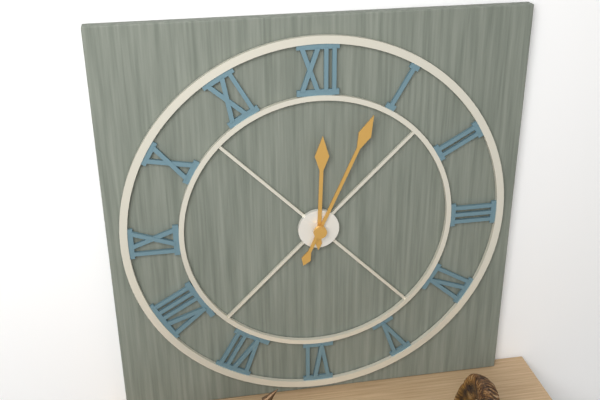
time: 12:04
